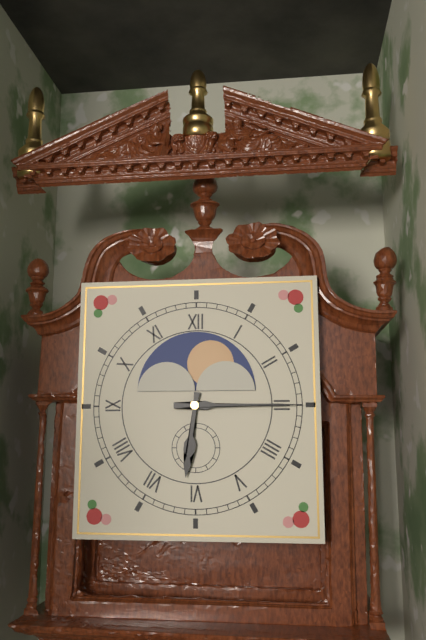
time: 6:15
